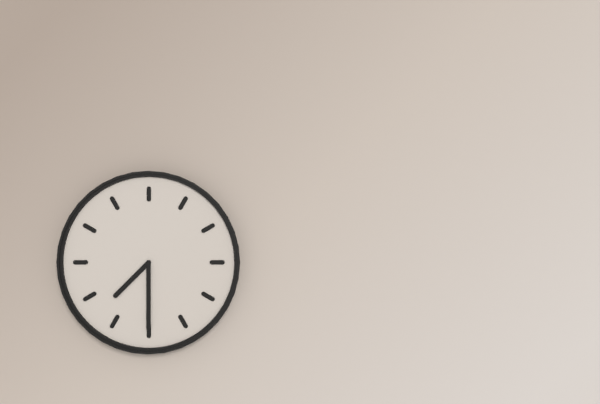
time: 7:30
